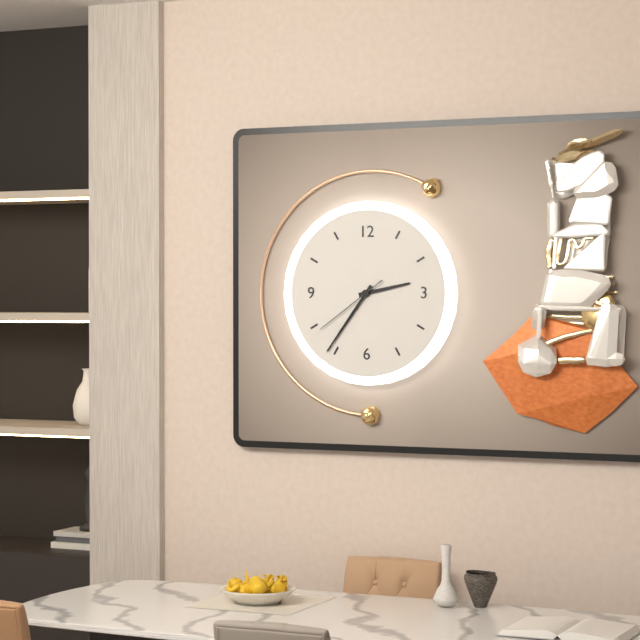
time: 2:36:39
